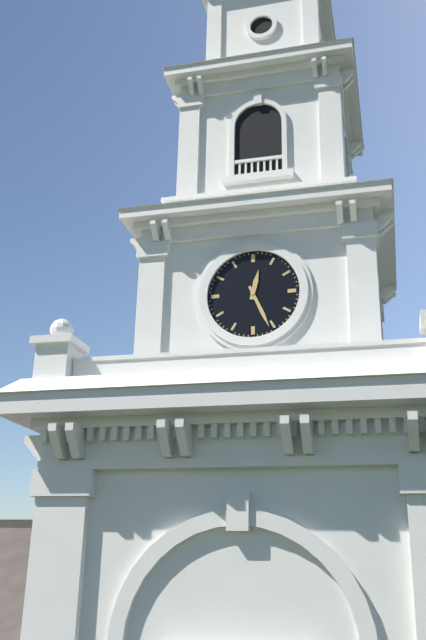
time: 12:26
